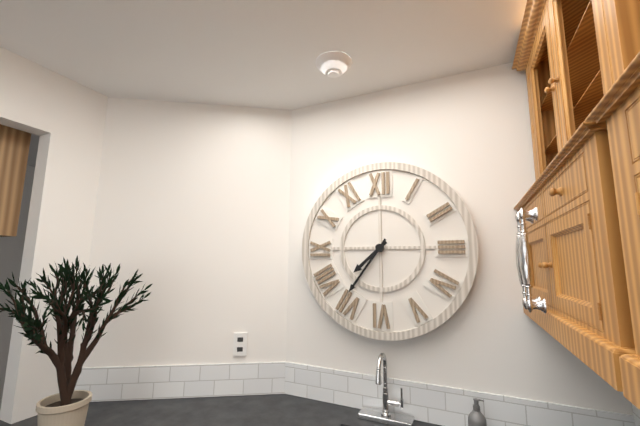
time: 7:36
